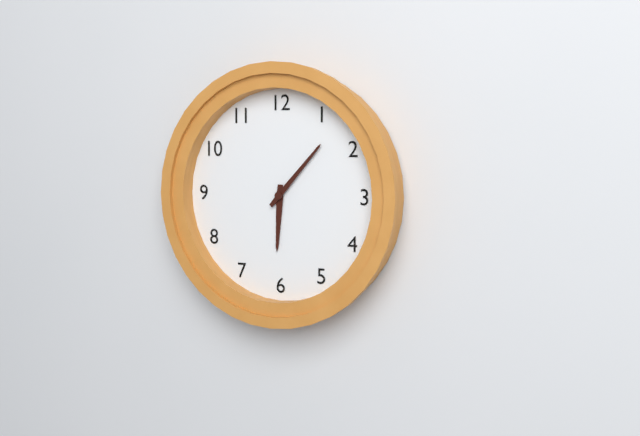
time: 6:07
